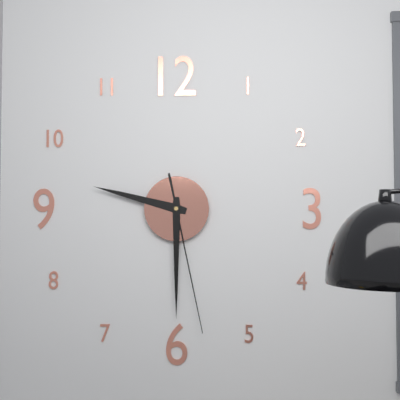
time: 9:30:28
